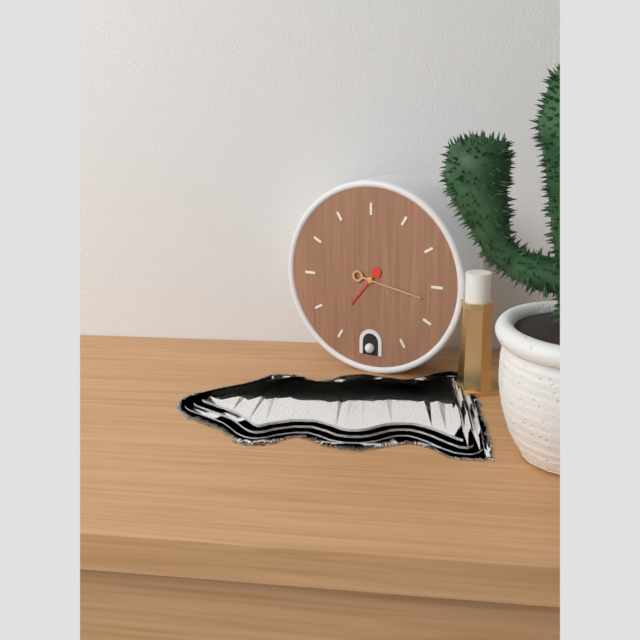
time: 7:17
